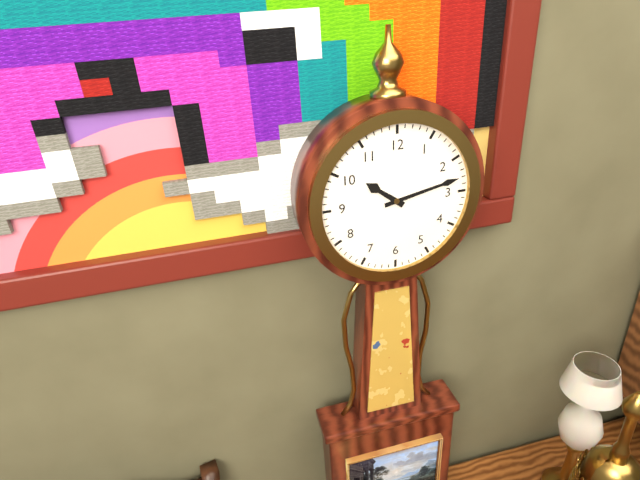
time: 10:13
